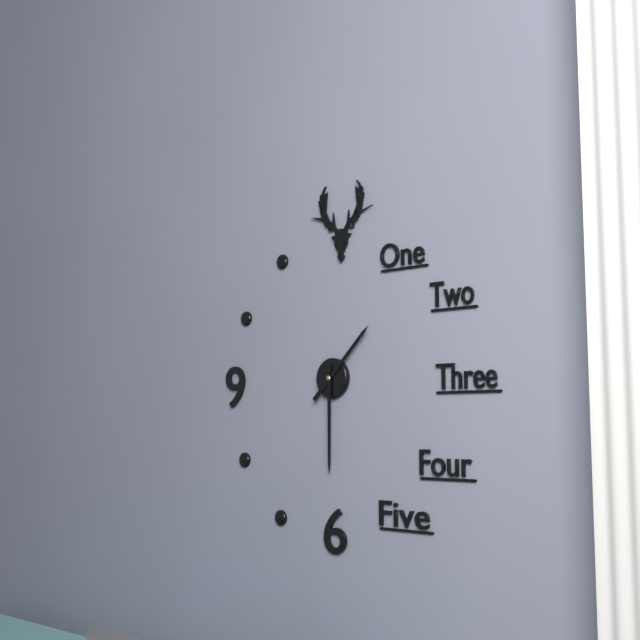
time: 1:30
